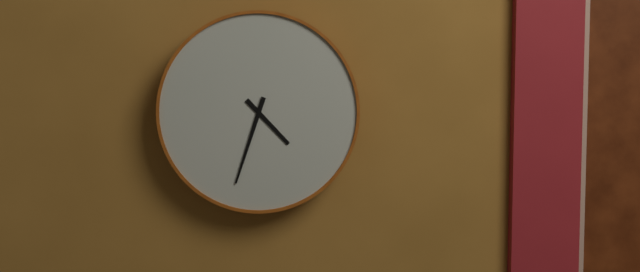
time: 4:33
